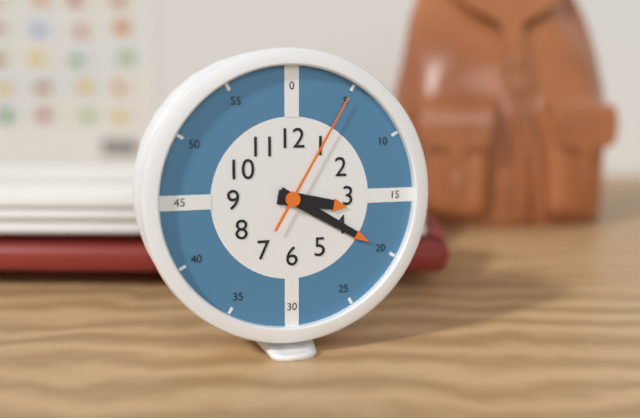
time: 3:20:05
